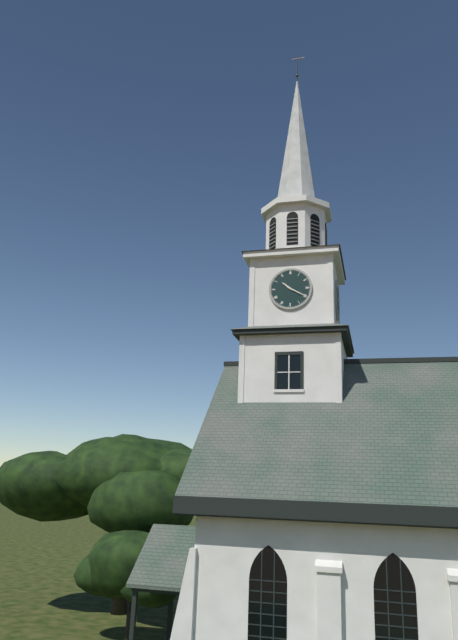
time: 10:20
